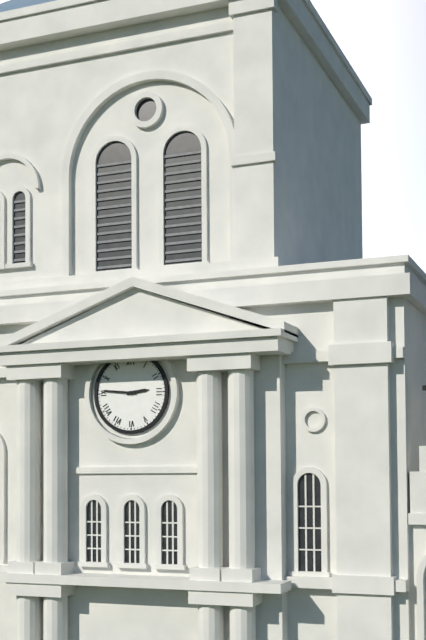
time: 2:46
